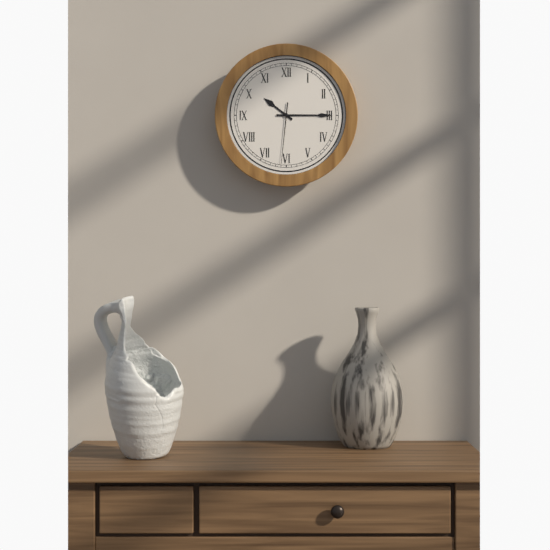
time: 10:15:31
